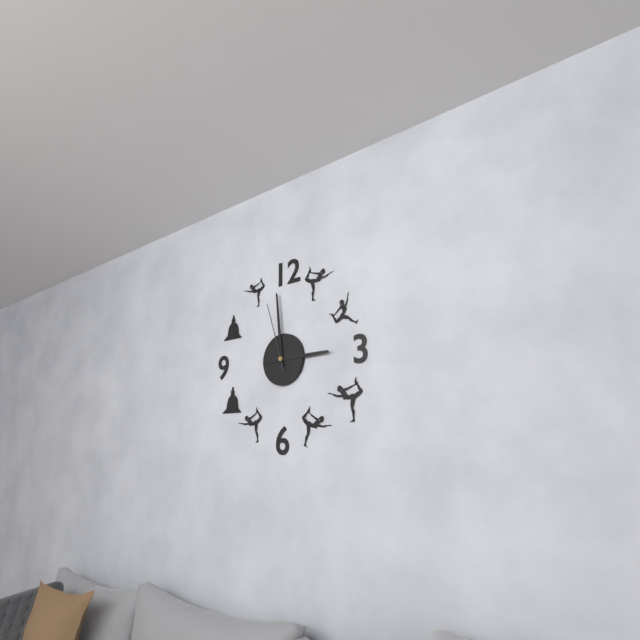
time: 2:59:57
